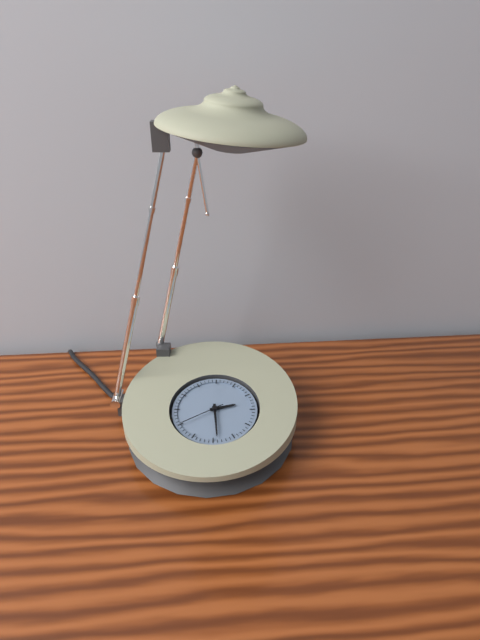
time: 2:29
